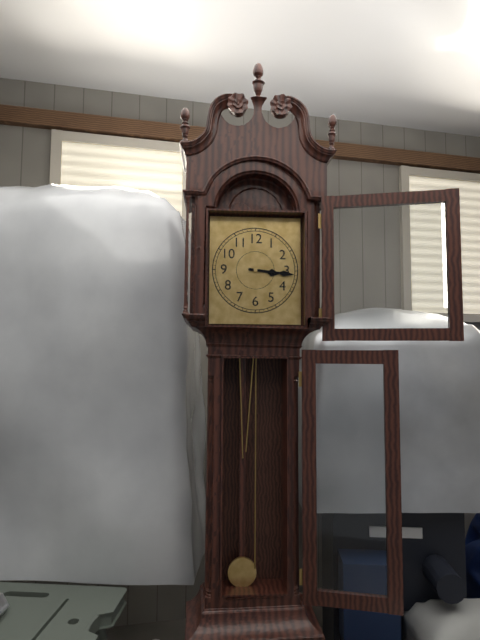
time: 3:16
